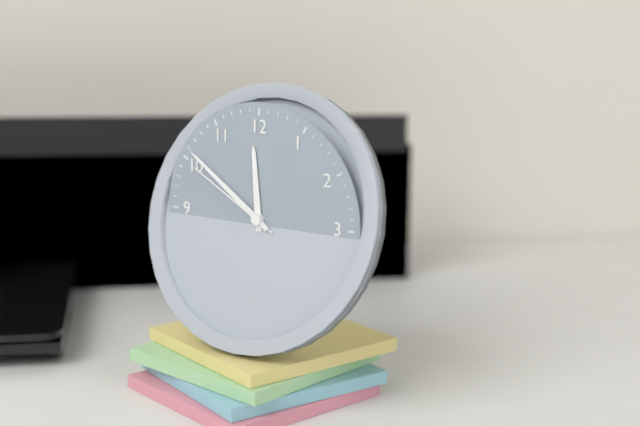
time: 11:51:50
